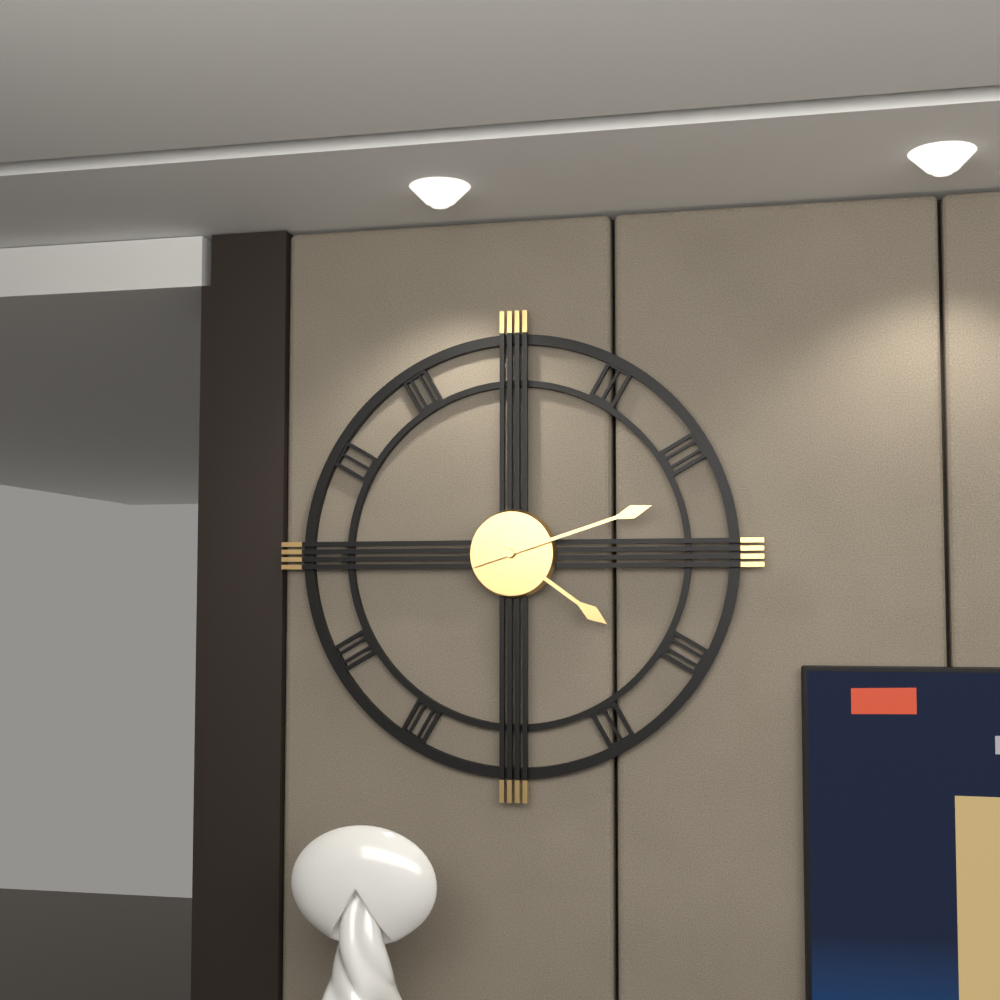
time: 4:12
